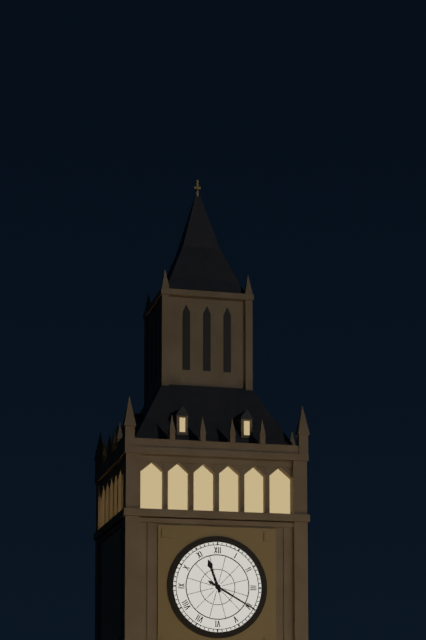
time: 11:20
